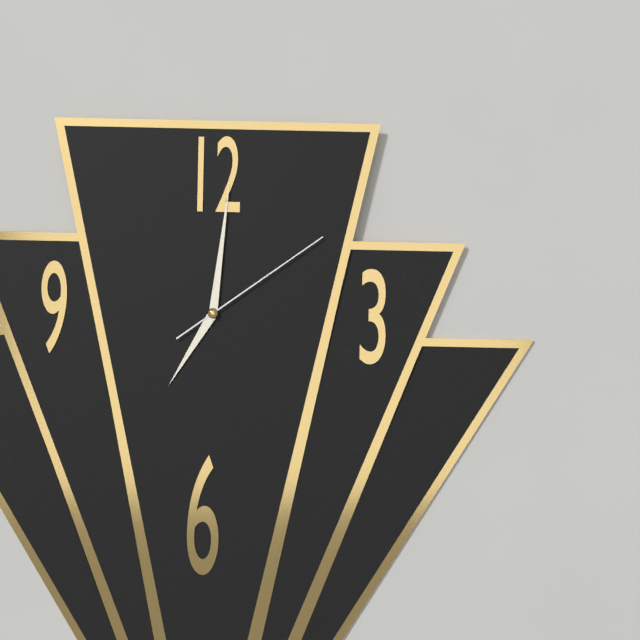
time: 7:01:09
